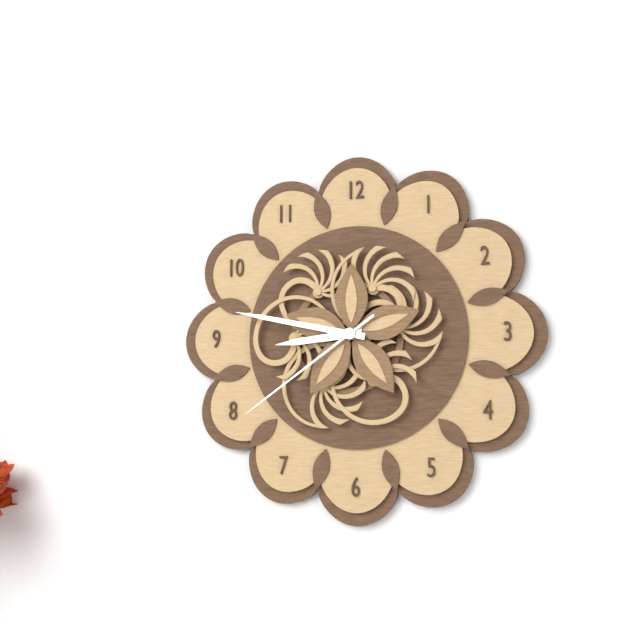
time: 8:47:39
